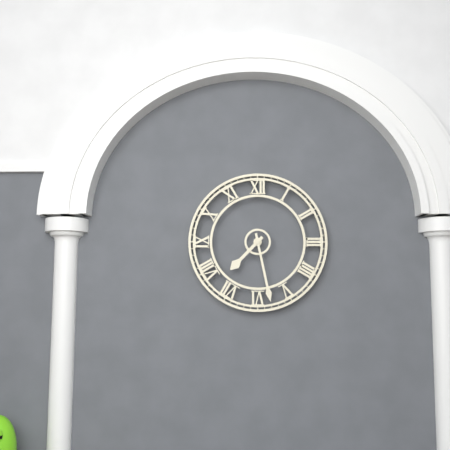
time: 7:28
